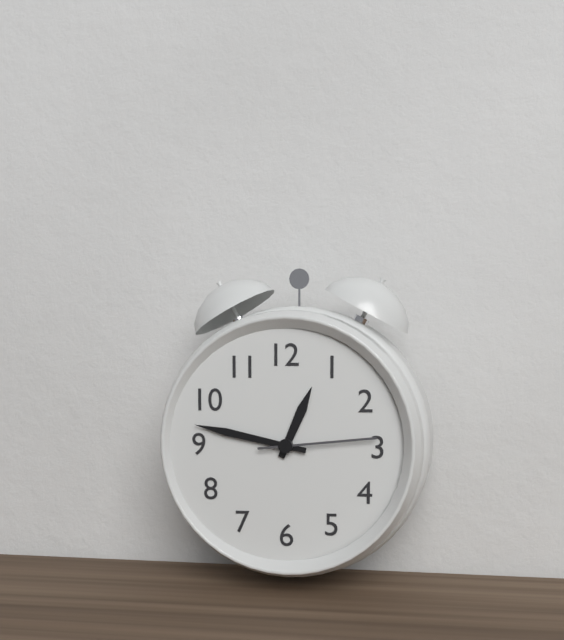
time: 12:47:14
